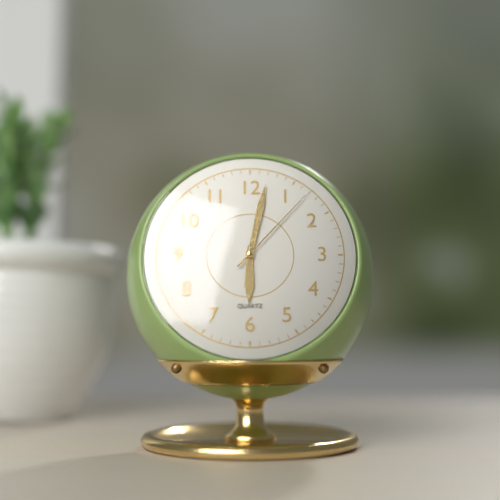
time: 6:02:07
